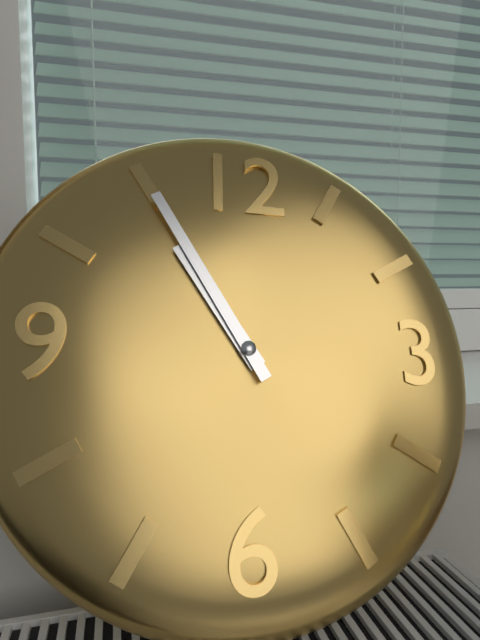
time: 10:55
